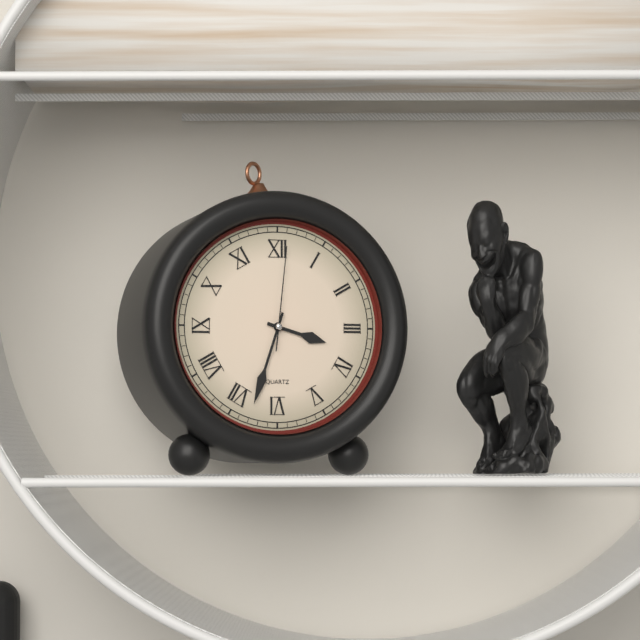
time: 3:33:01
